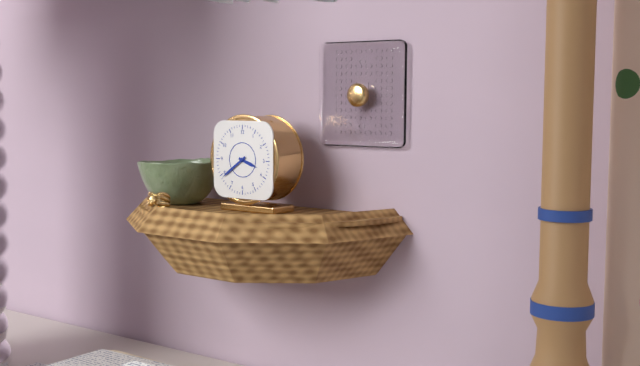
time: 3:39
